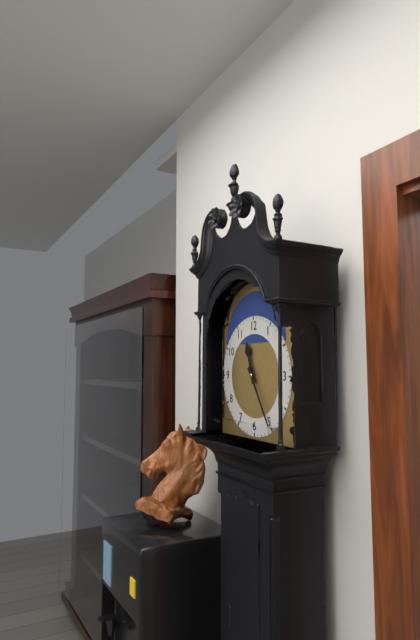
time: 11:25
